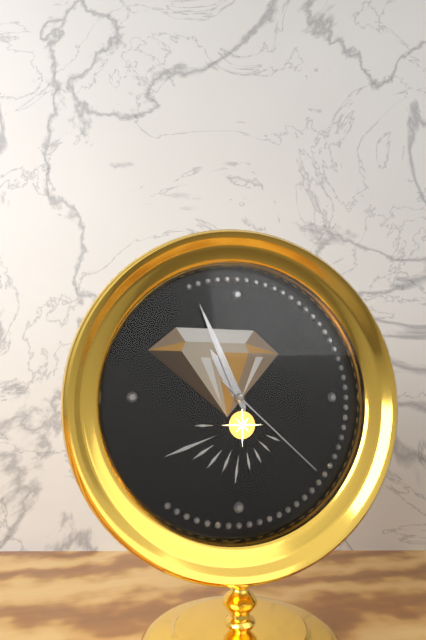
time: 10:56:22
